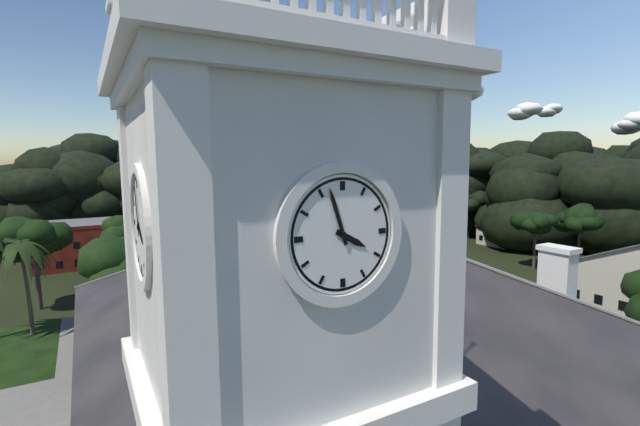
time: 3:57
